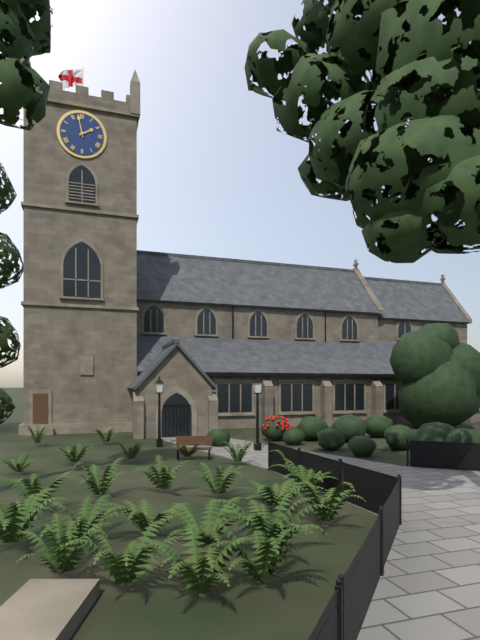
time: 1:58
